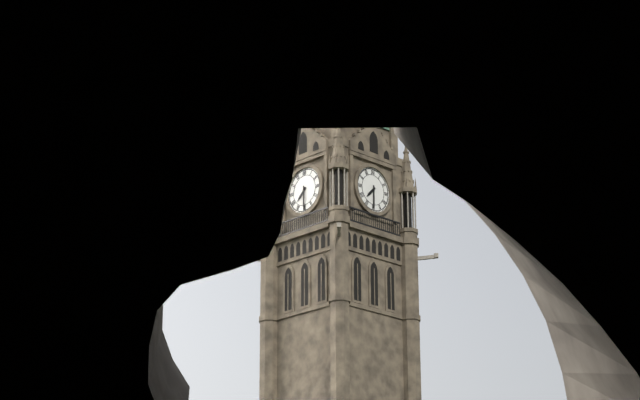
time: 7:30
